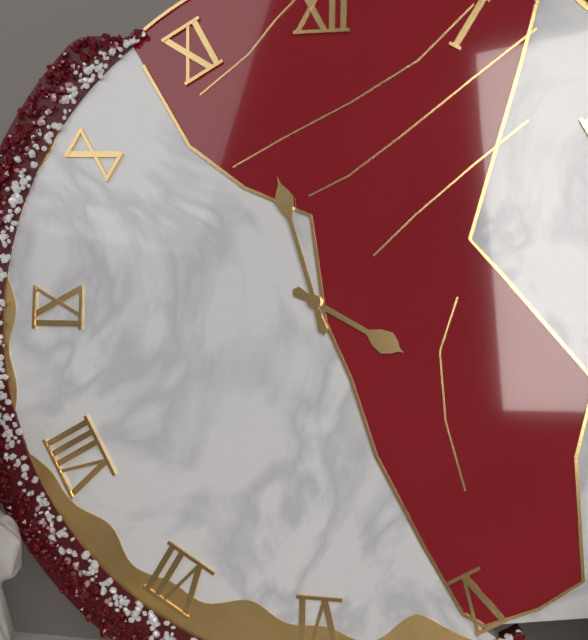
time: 3:57
